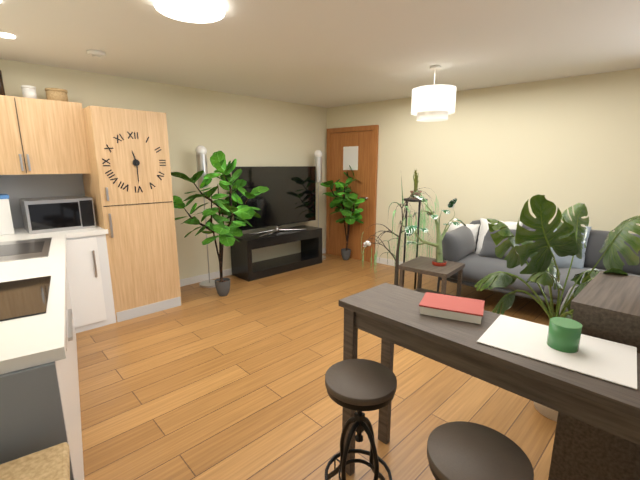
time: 11:30
